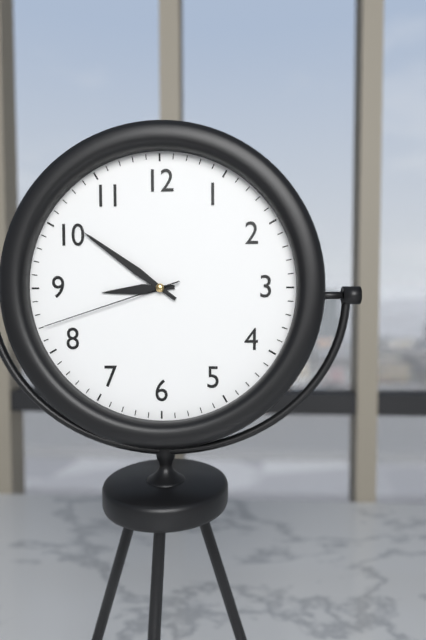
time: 8:51:42
